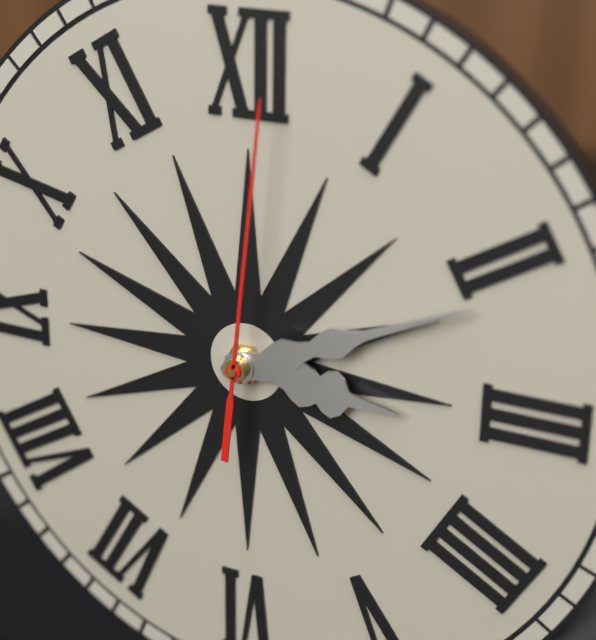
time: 3:11:01
